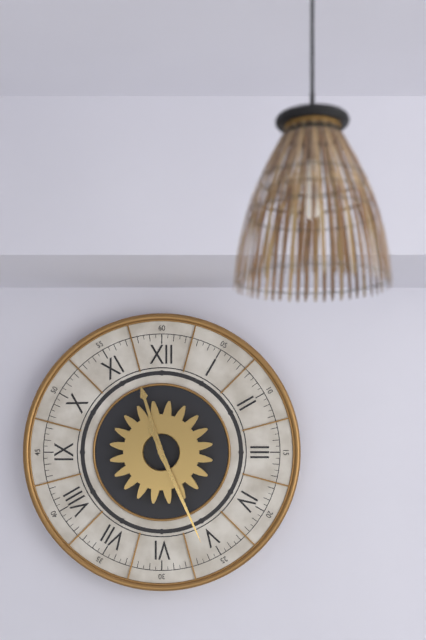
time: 11:26
